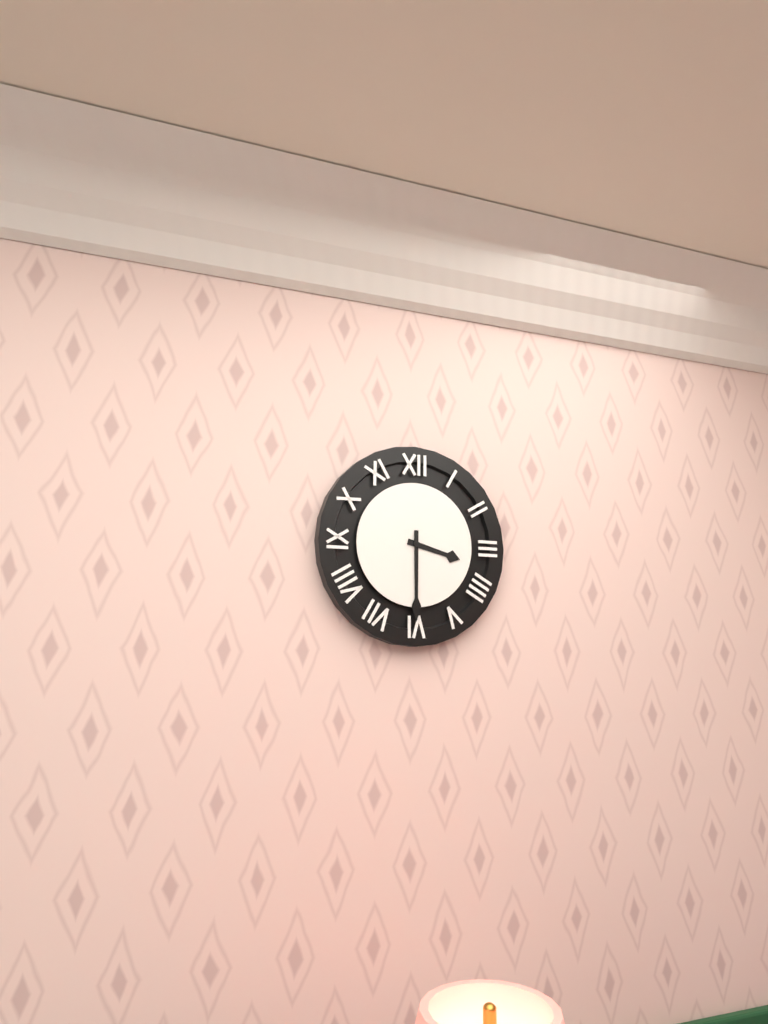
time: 3:30
